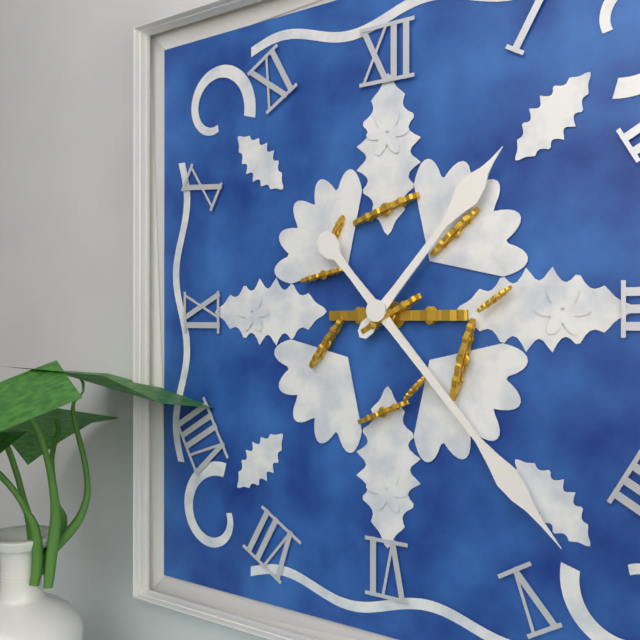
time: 1:23
